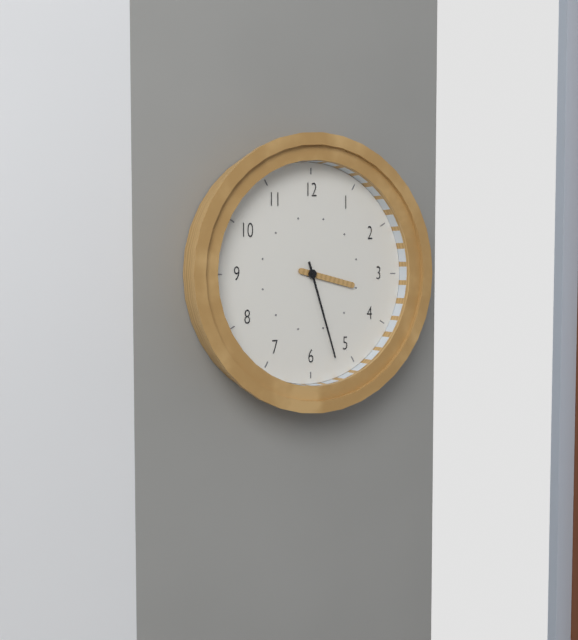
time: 3:27
